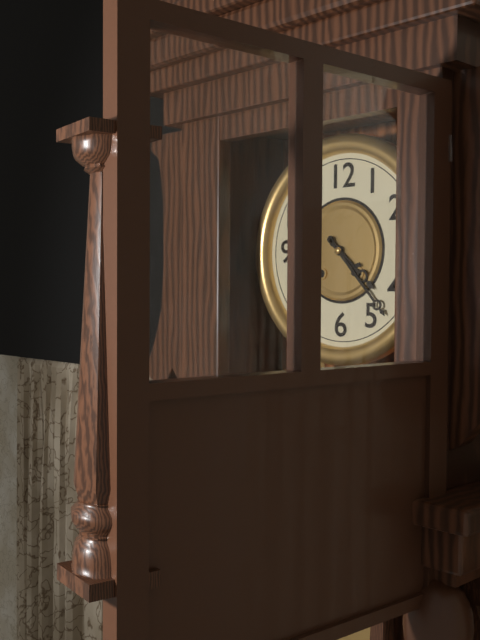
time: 4:23
